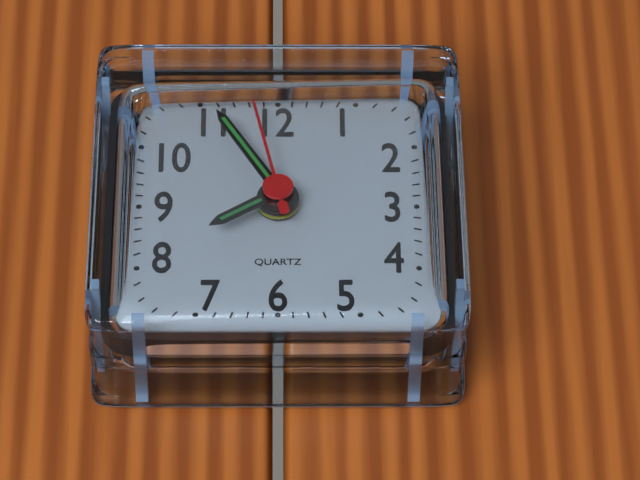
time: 7:55:58
